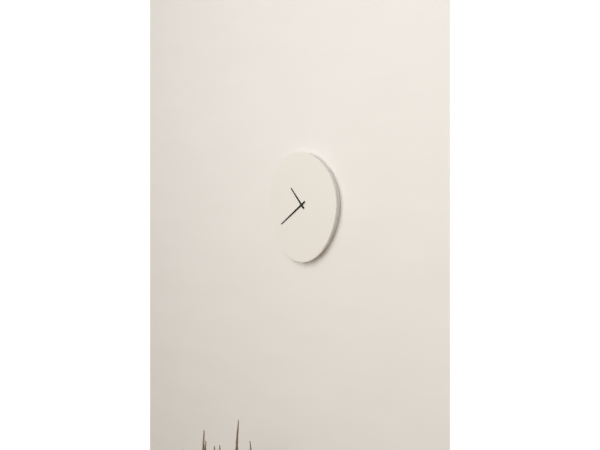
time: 10:39
